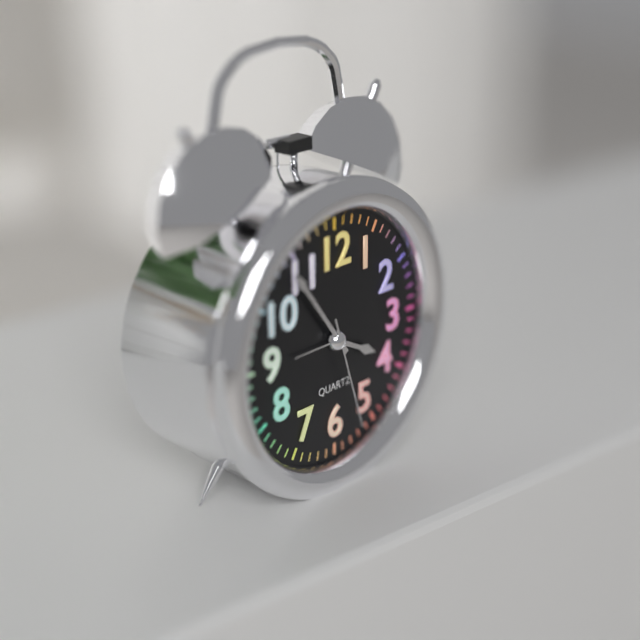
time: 3:54:27
